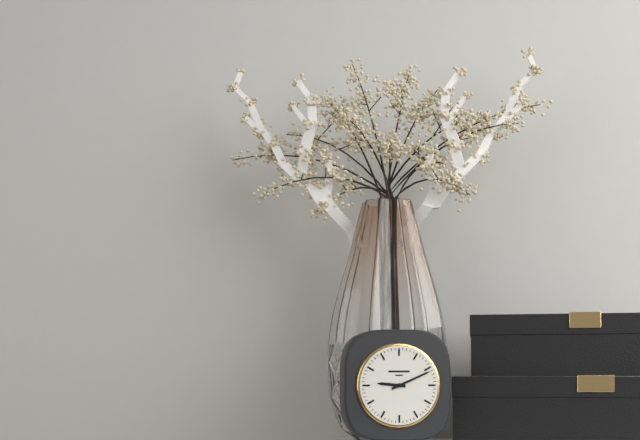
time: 9:11
